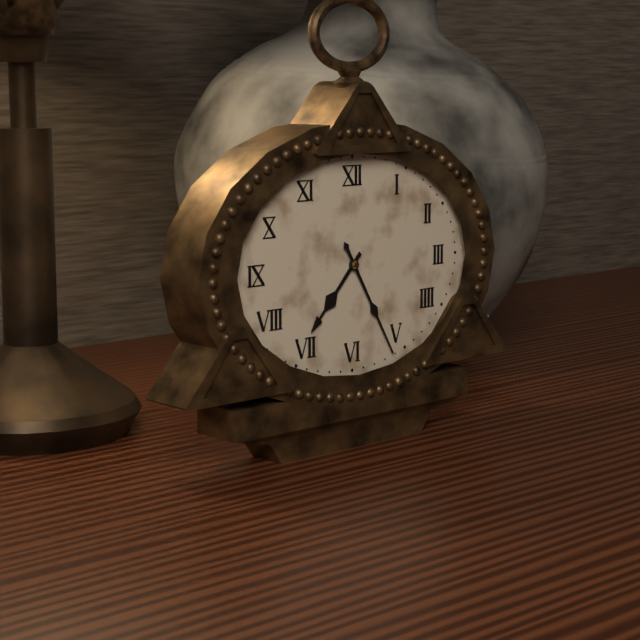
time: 7:25
